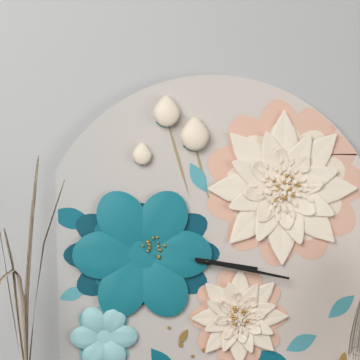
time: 3:17
